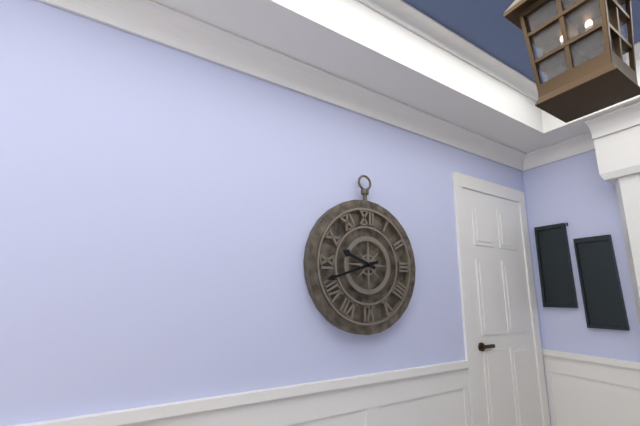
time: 9:42
